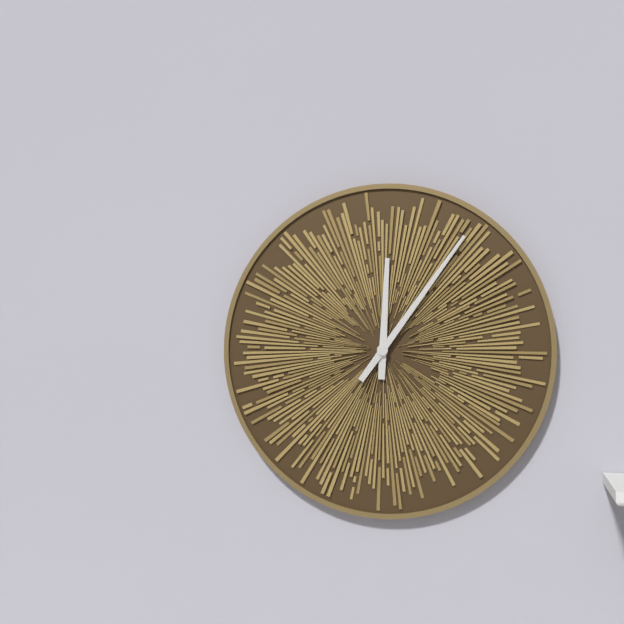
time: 12:06
